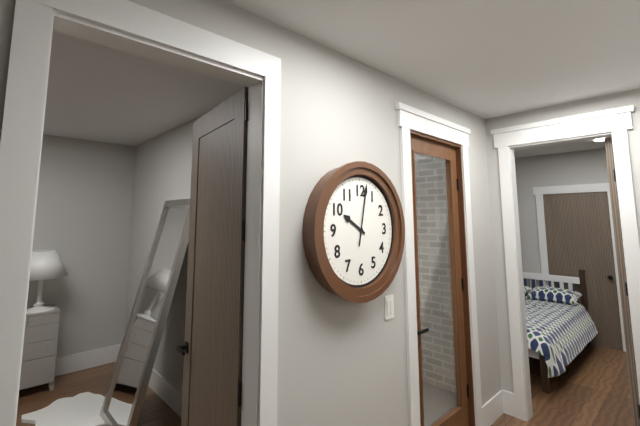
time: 10:02
